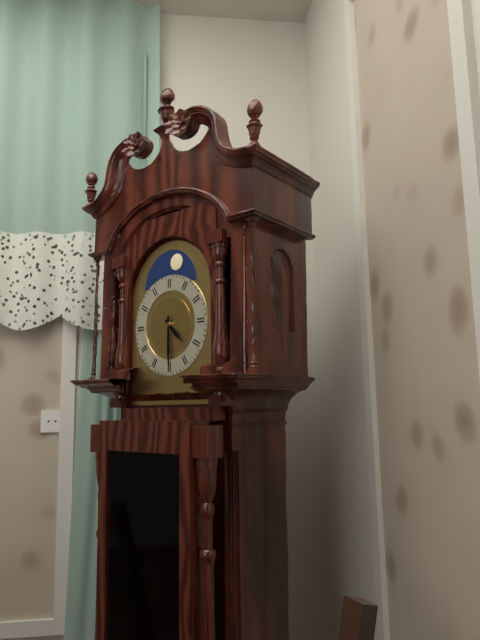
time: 4:30
